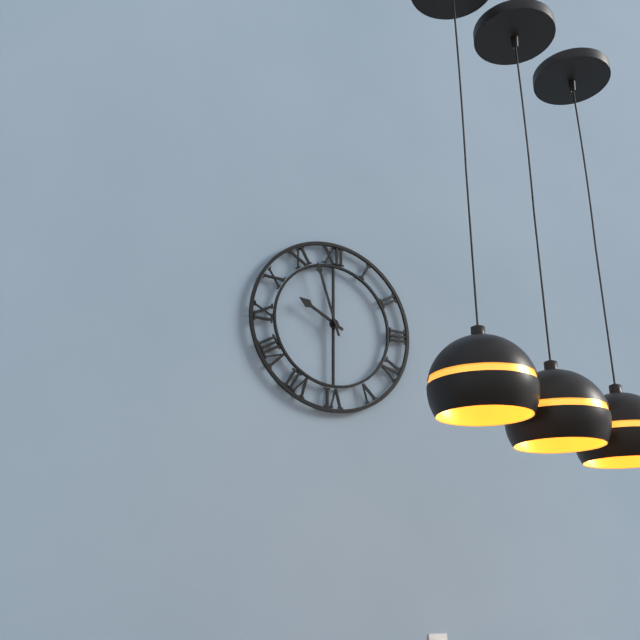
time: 9:57
